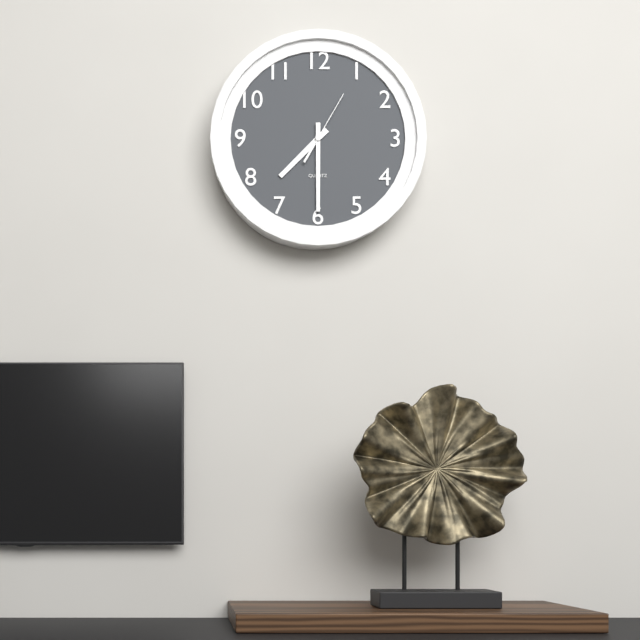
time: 7:30:05
